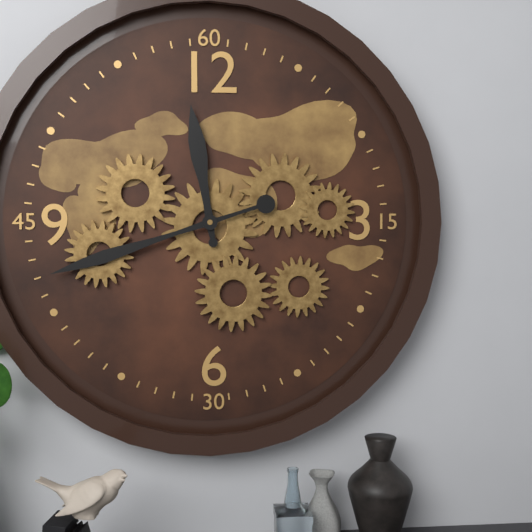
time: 11:42
